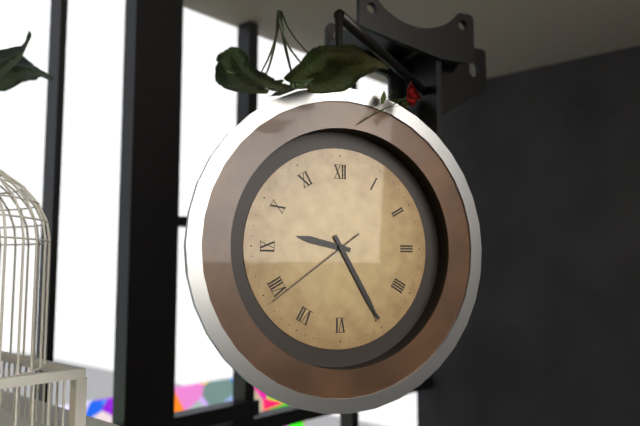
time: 9:25:39
